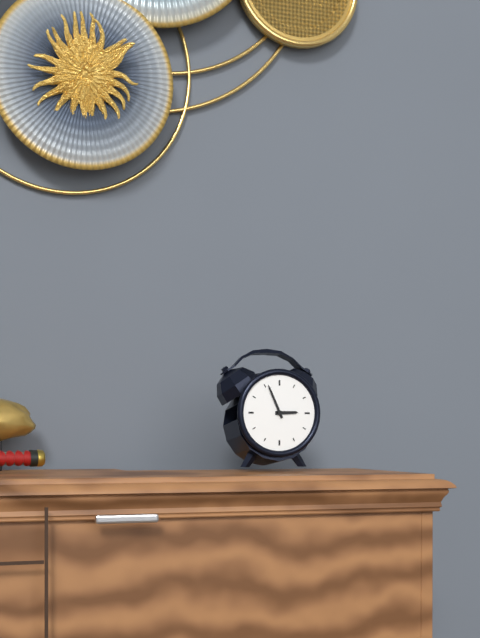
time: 2:56
